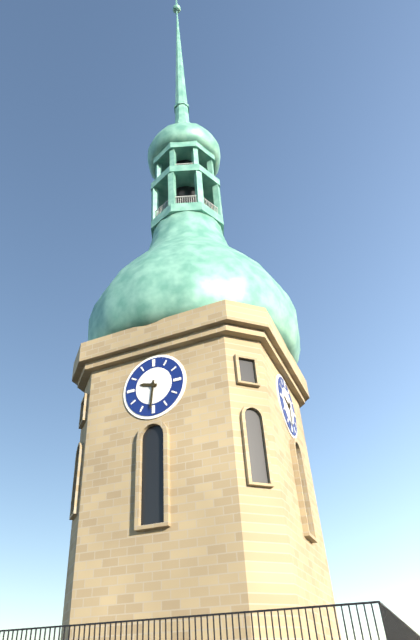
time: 9:31
